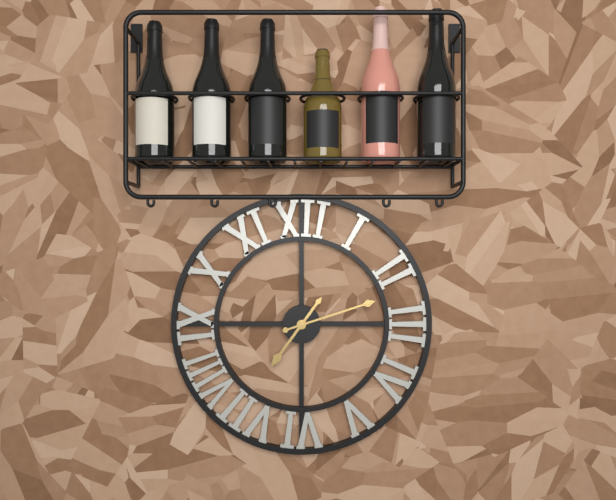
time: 7:12
